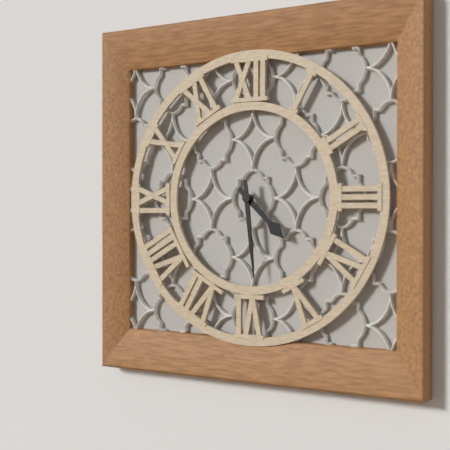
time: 4:29
